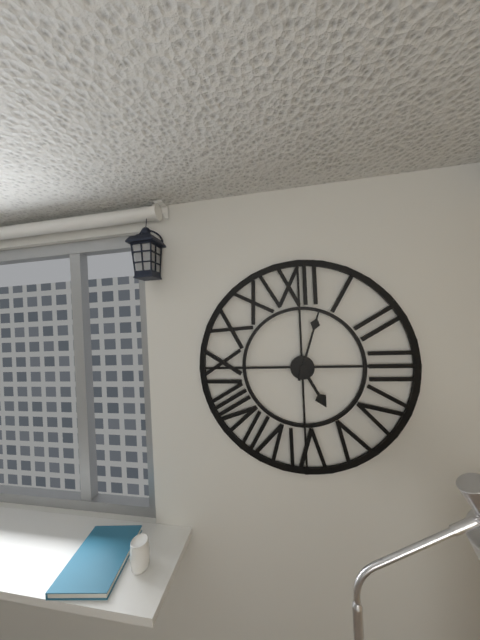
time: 5:03
